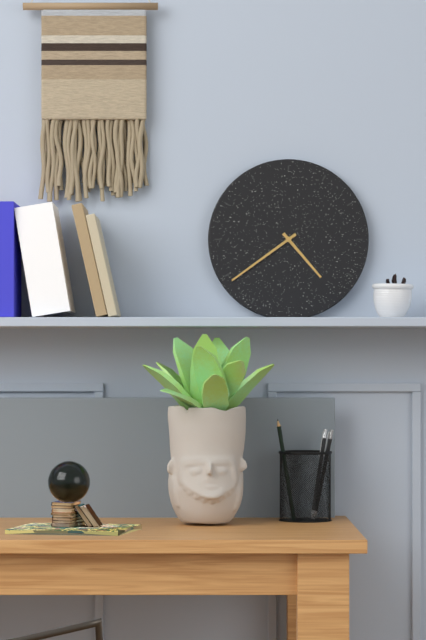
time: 4:39
